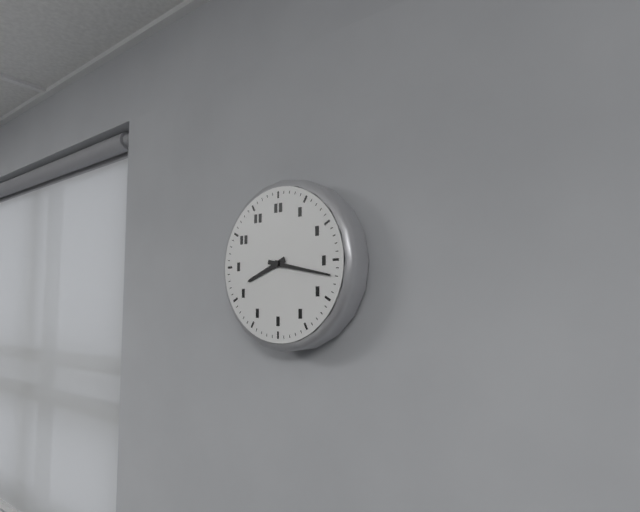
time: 8:17
